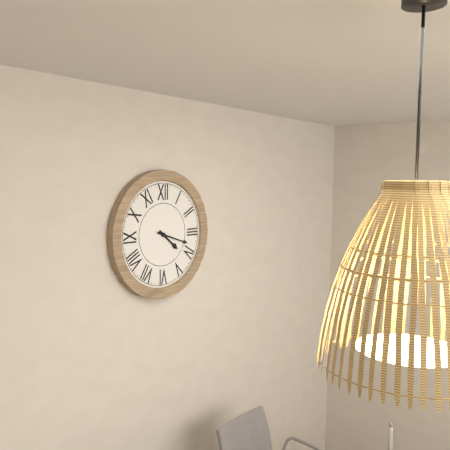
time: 4:18
